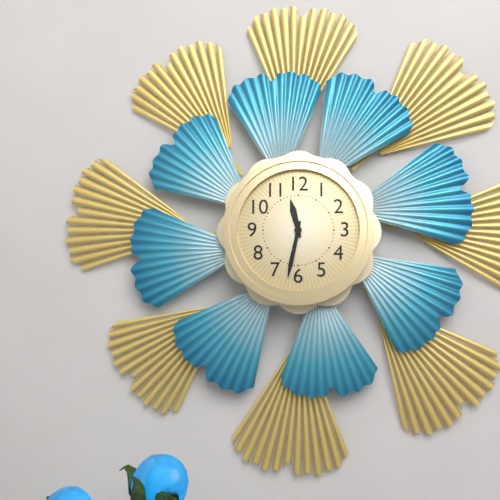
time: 11:32
